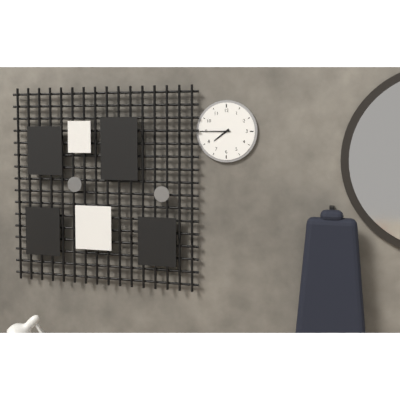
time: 7:45
